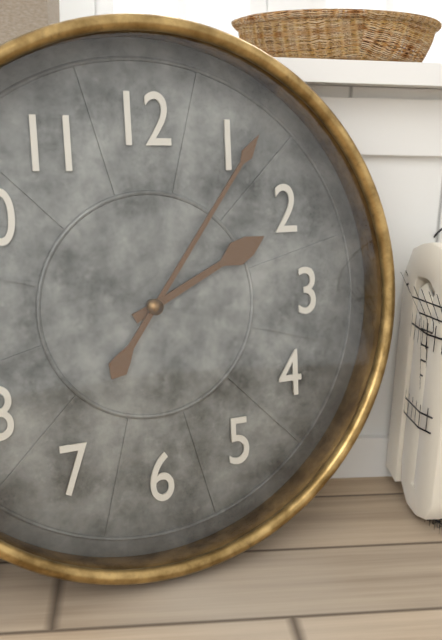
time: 2:06
